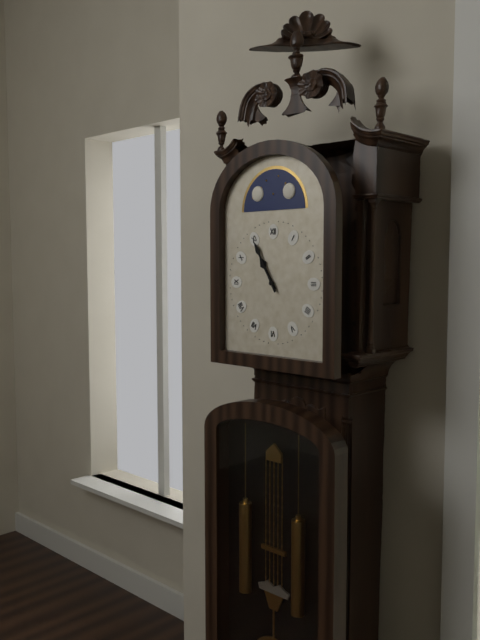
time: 10:55
